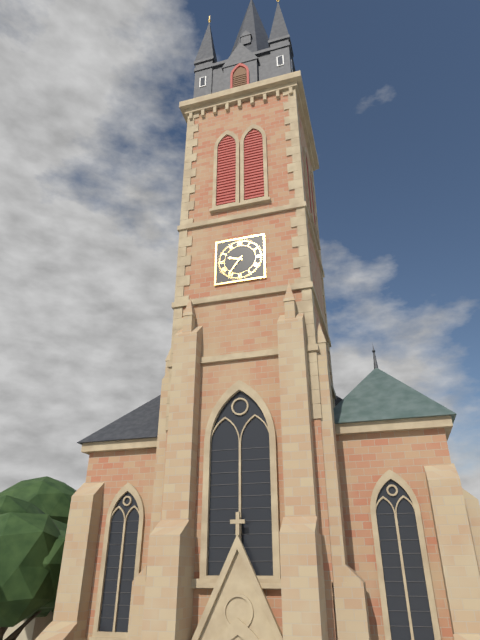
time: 9:36
